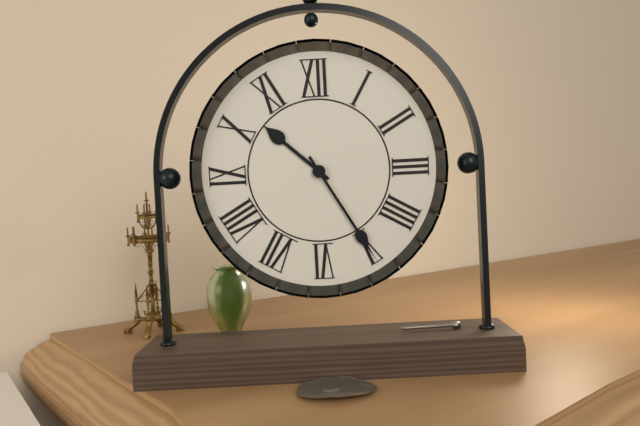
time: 10:25
